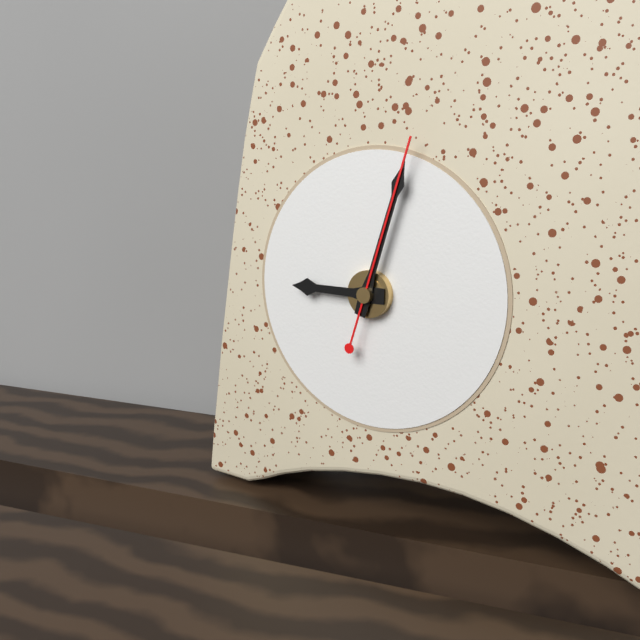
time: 9:03:03
